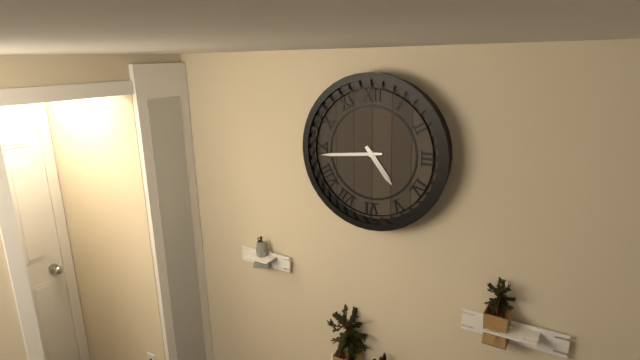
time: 4:44
